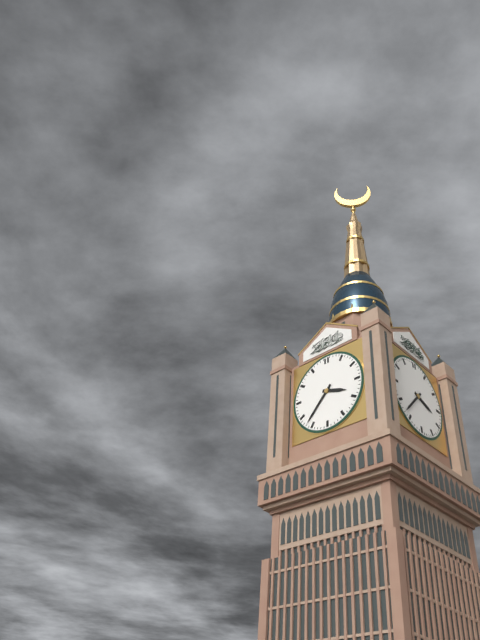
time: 3:37
